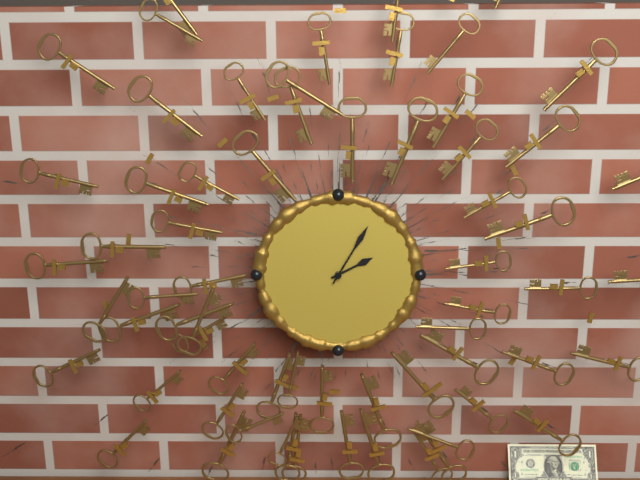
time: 2:05
